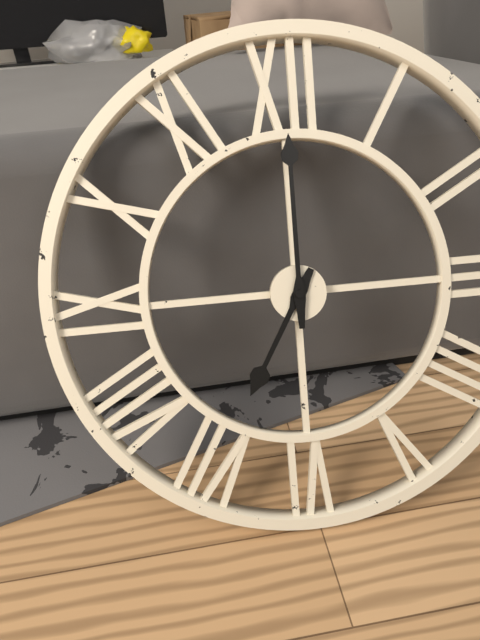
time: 7:00
